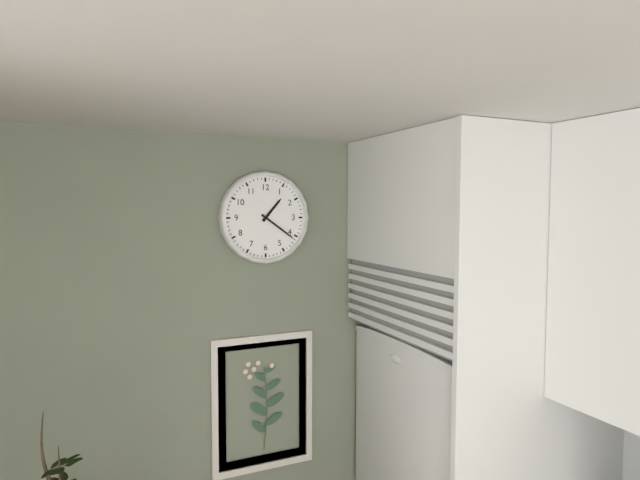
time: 1:21
